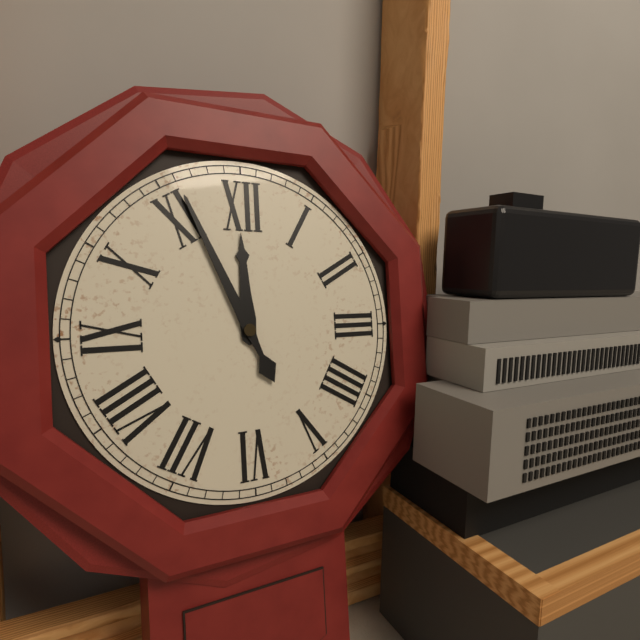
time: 11:56
